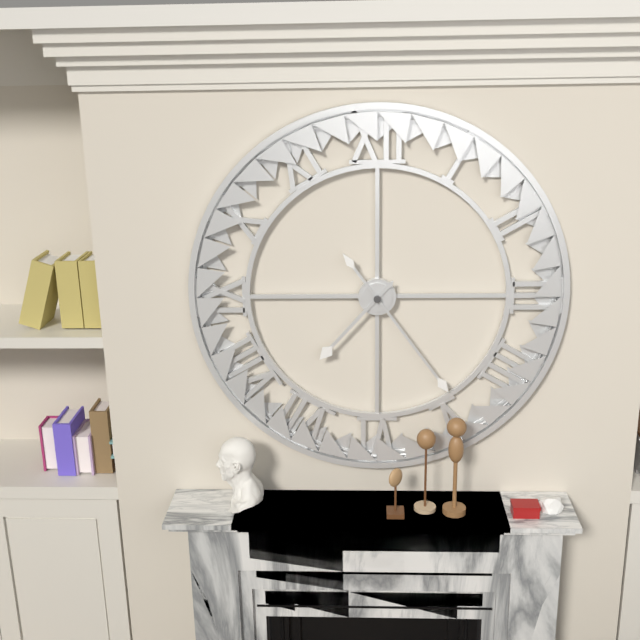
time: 7:24
